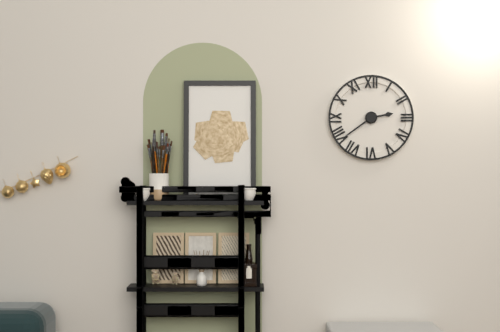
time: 2:39
